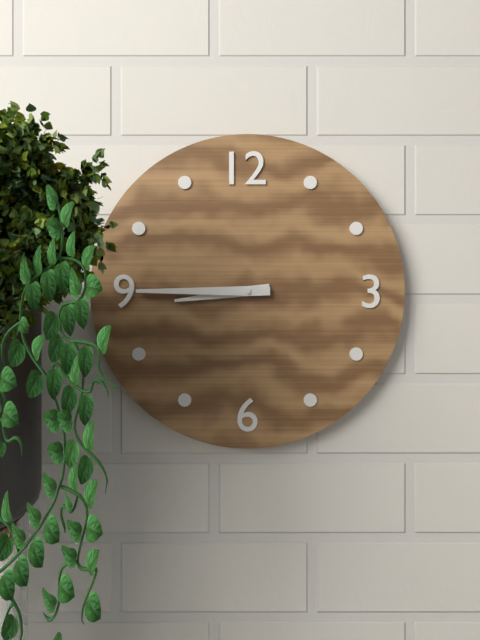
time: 8:45
